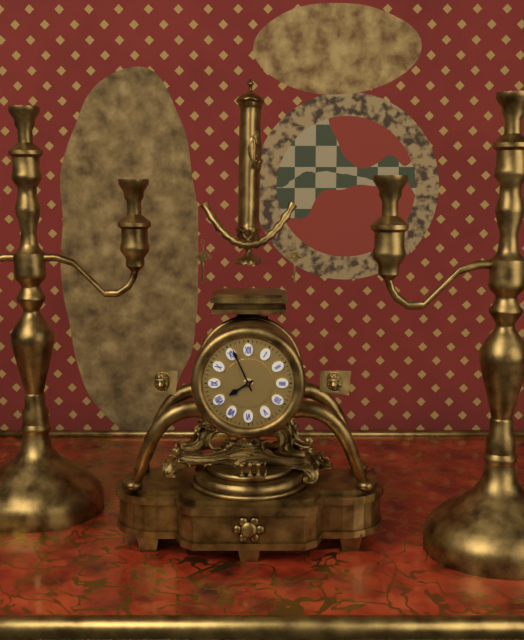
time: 7:56
